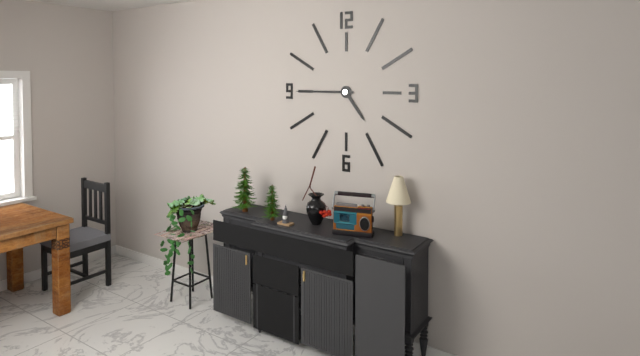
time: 4:45
